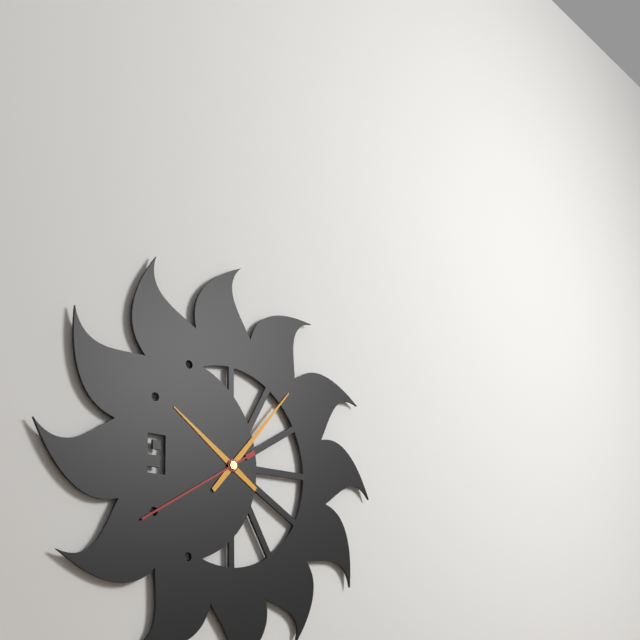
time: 10:07:40
